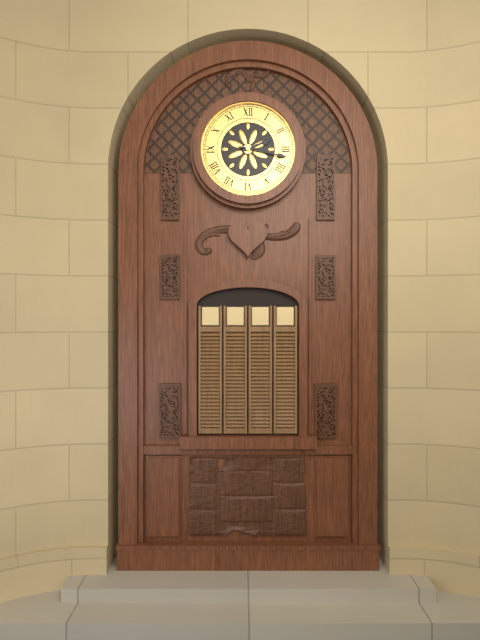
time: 2:17
